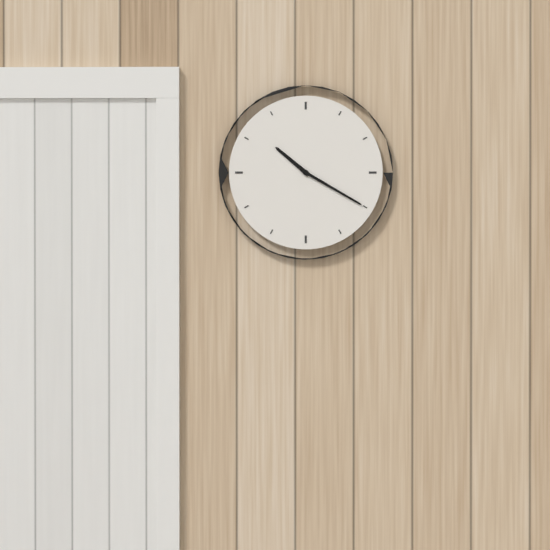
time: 10:20
